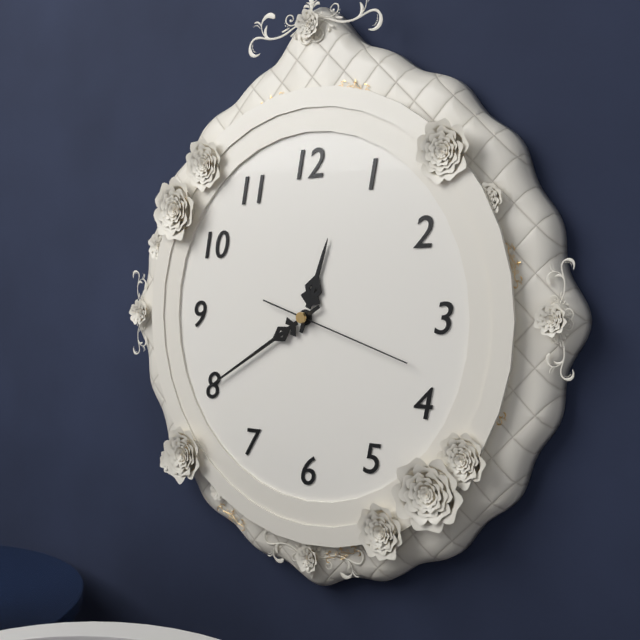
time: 12:40:18
